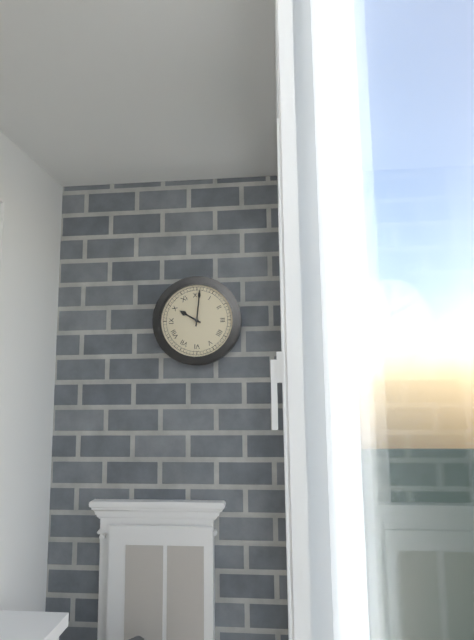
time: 10:01
